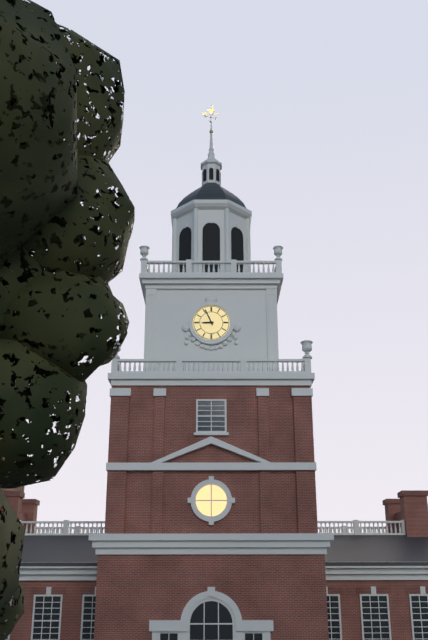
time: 8:56
